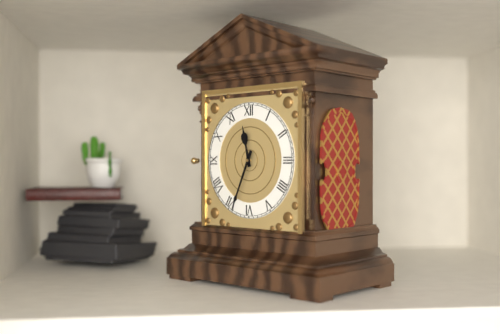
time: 11:34
